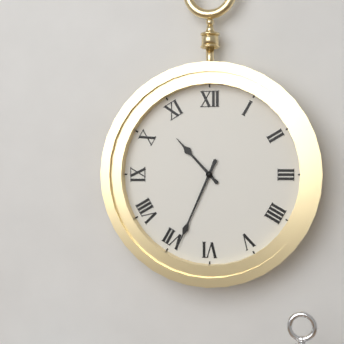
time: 10:34
